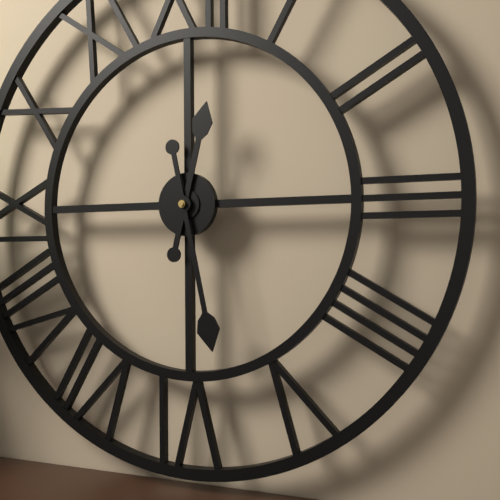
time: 12:28
